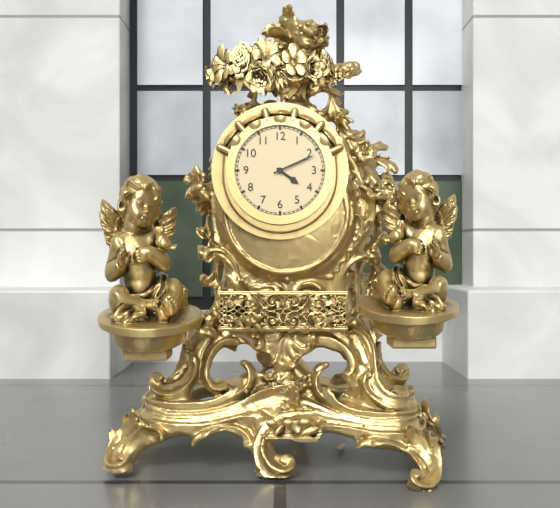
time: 4:11
